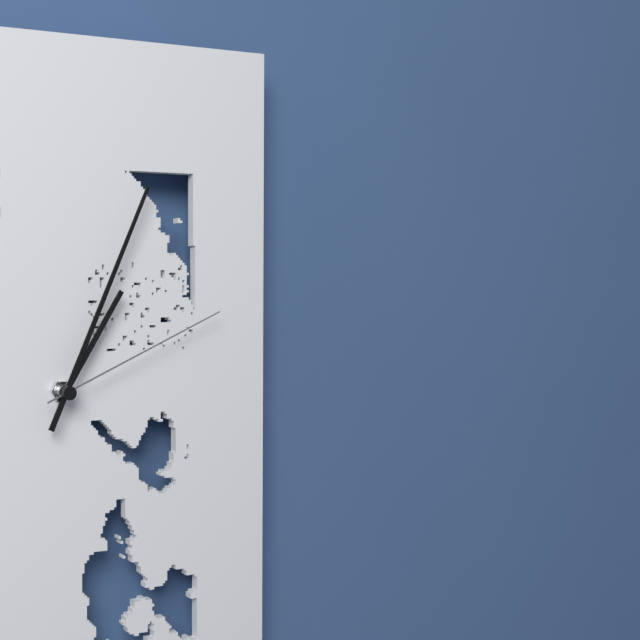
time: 1:04:11
